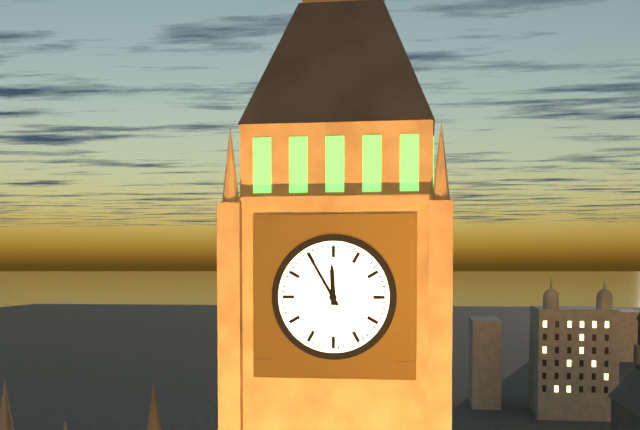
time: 11:55
